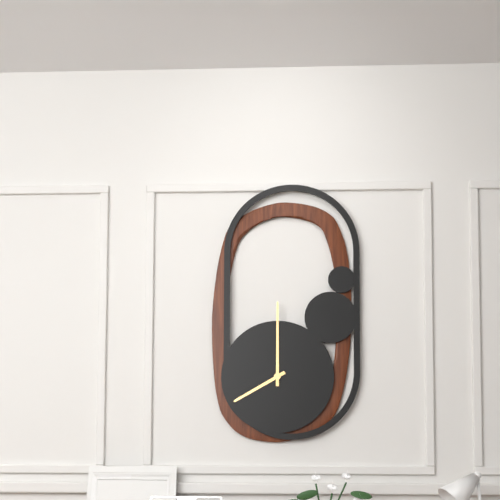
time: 8:00
